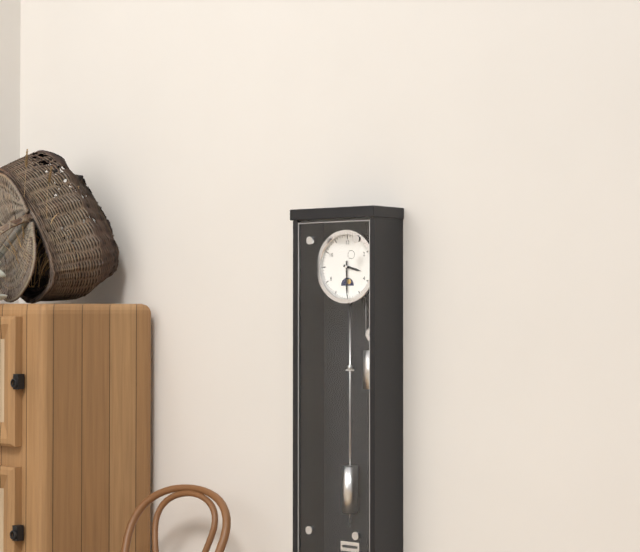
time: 3:30
